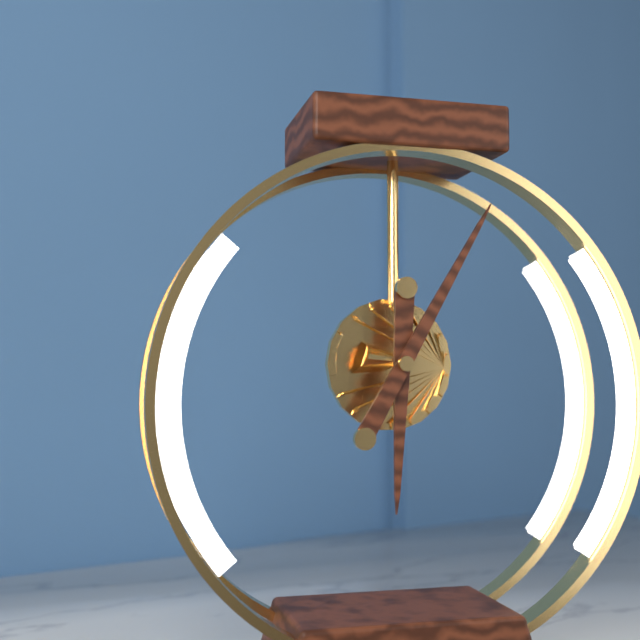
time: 6:05
